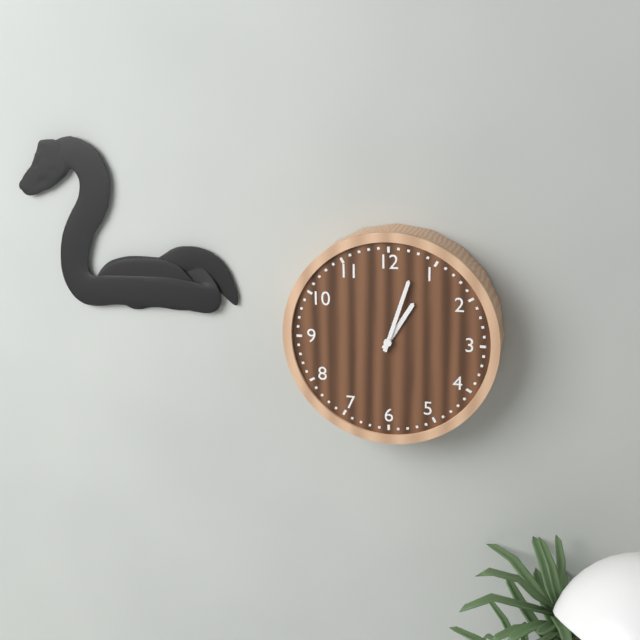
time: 1:03
